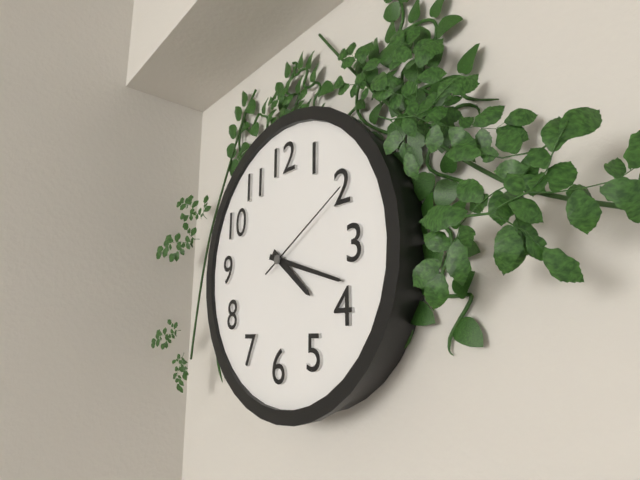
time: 4:18:10
